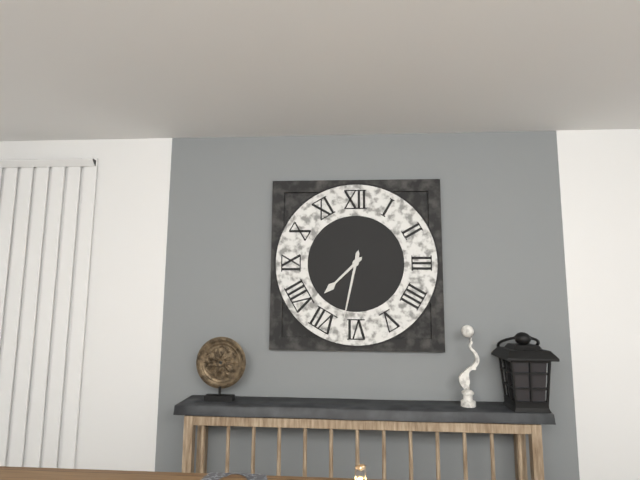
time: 7:32
